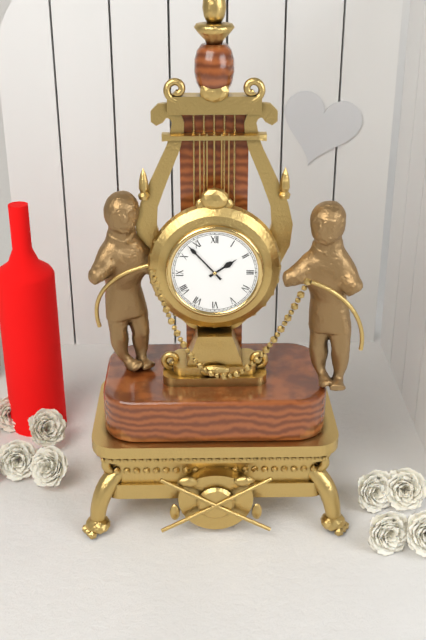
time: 1:53
